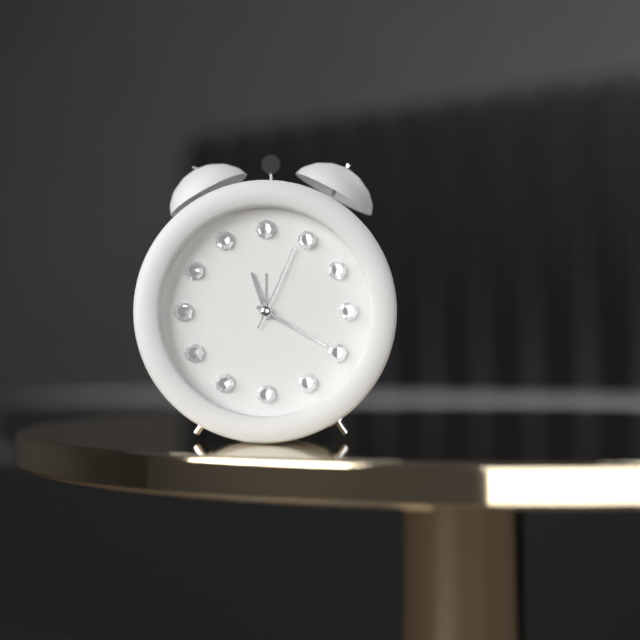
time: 11:20:04
